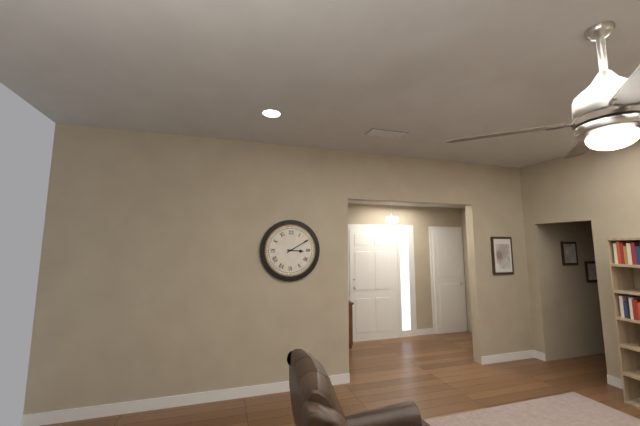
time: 3:10
